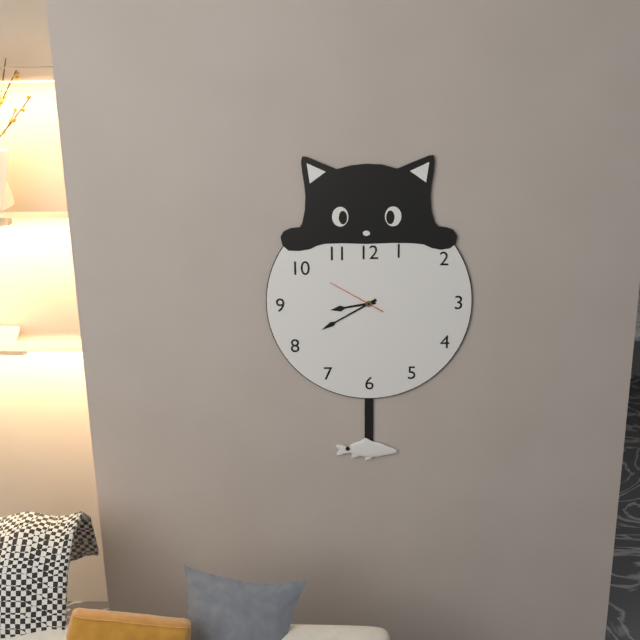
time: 8:40:50
